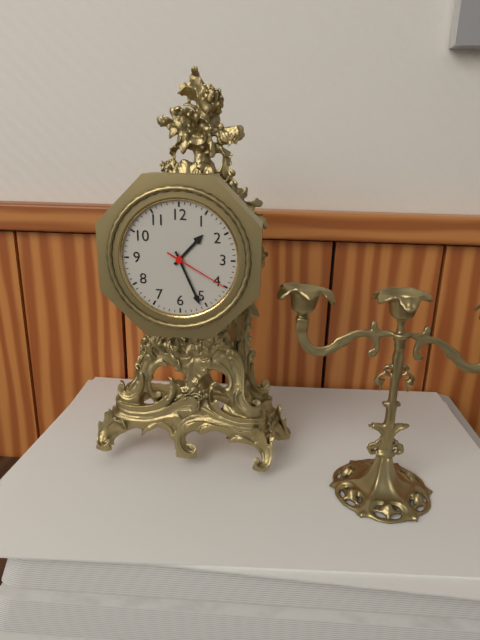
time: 1:26:20
